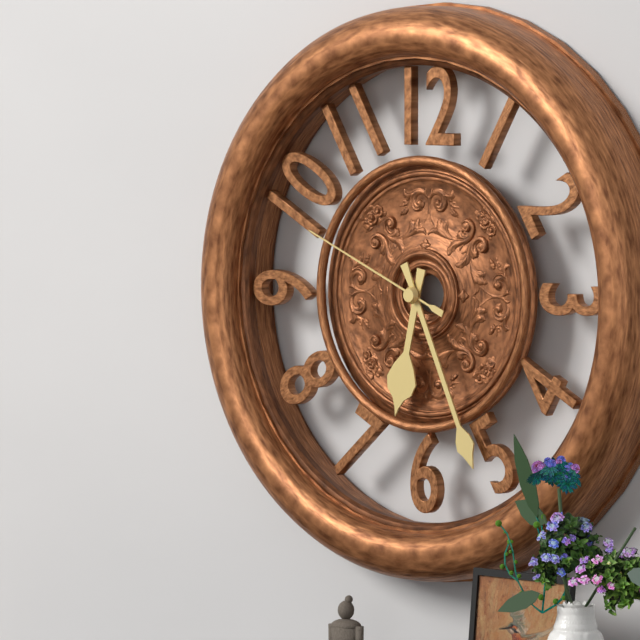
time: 6:26:49
